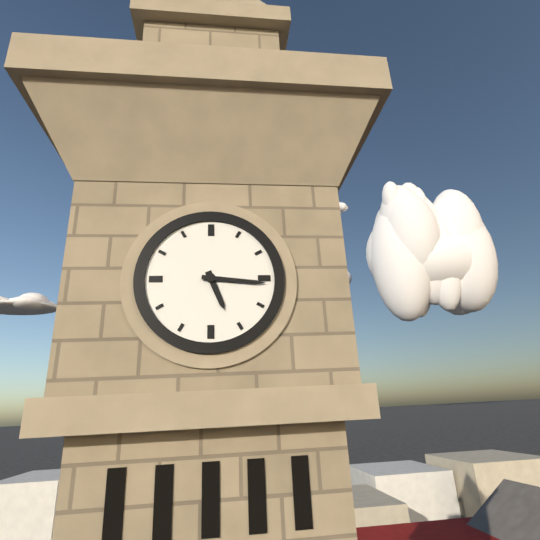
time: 5:16
